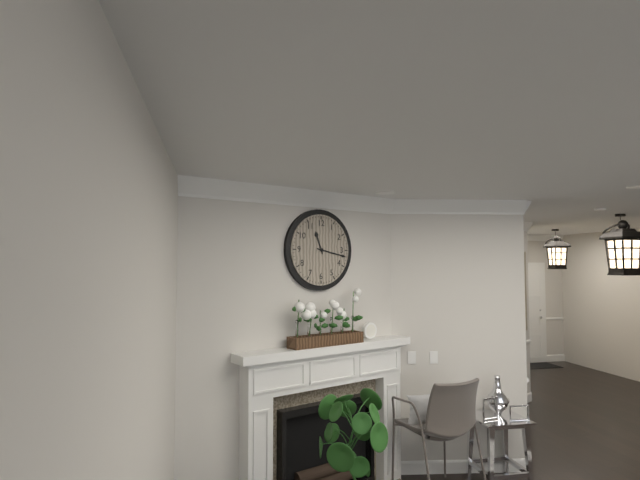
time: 11:17
